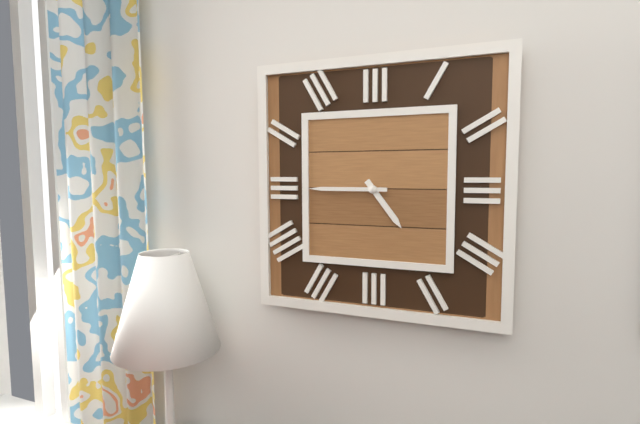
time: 4:45
